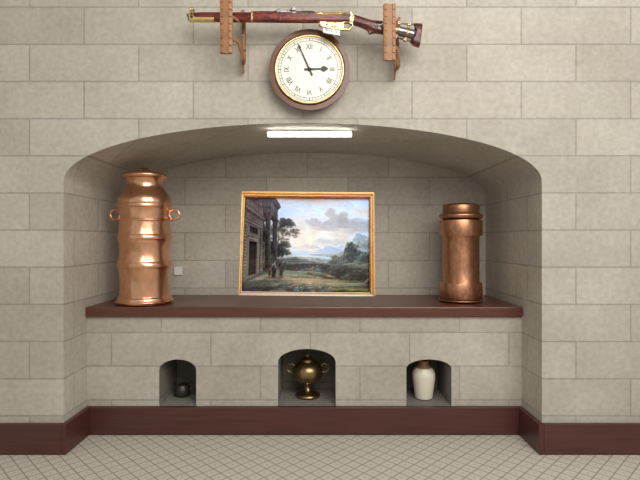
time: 2:56
